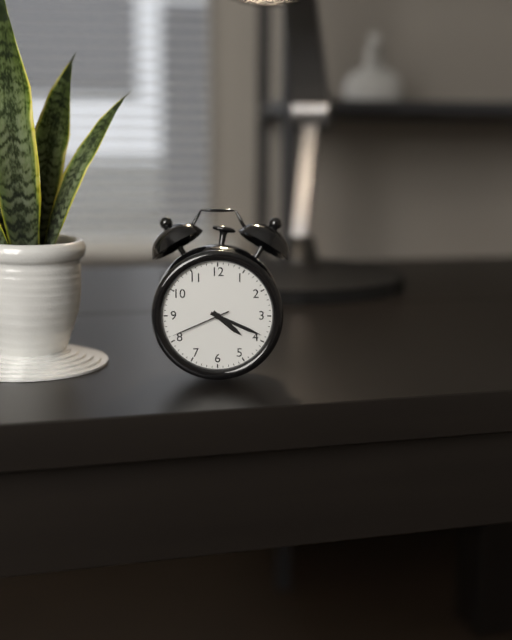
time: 4:19:41
